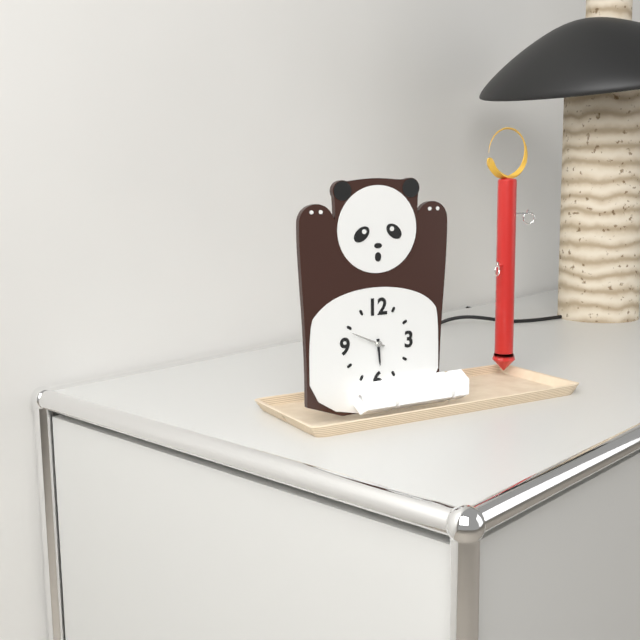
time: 5:49
